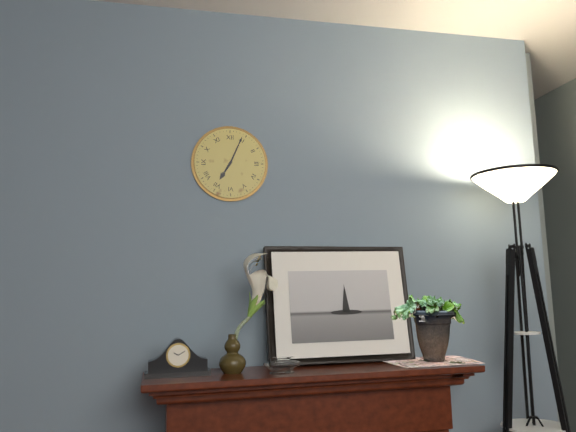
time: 7:04
